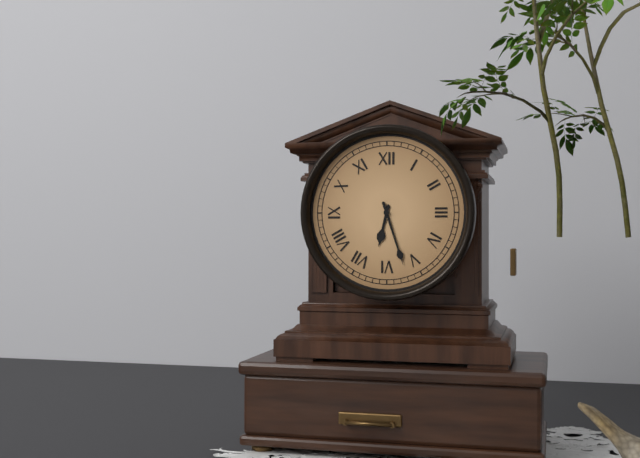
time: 6:27
